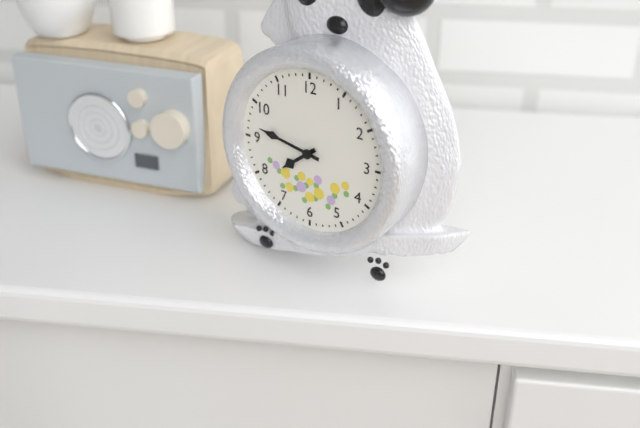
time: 7:47
